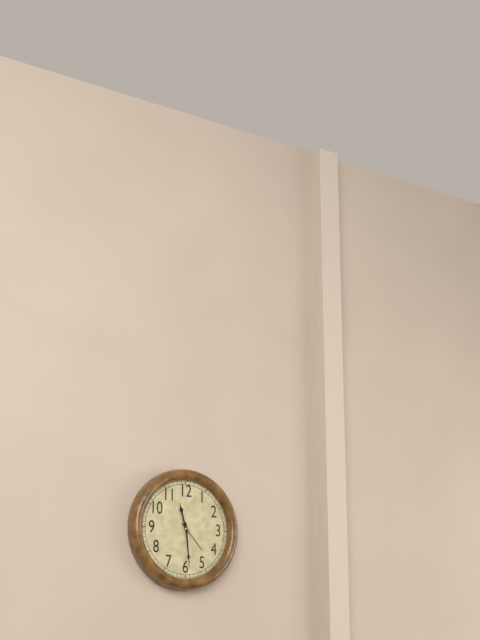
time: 11:29
